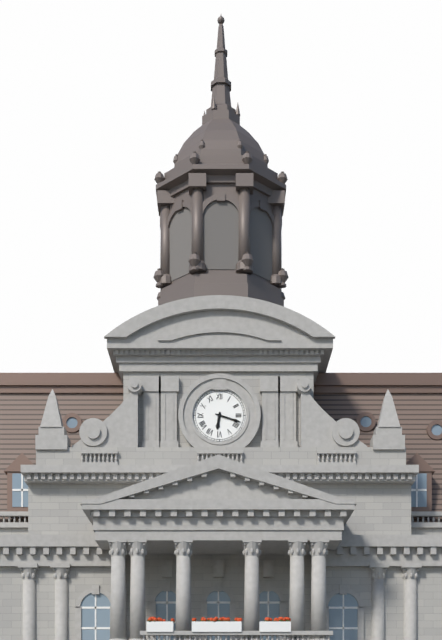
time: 6:18
